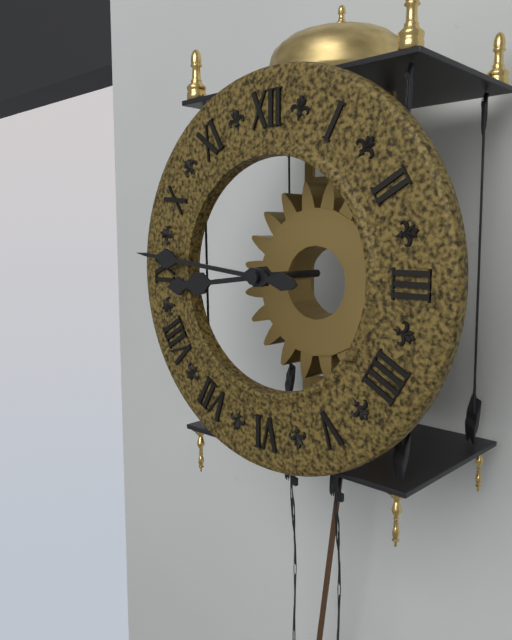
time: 8:46
